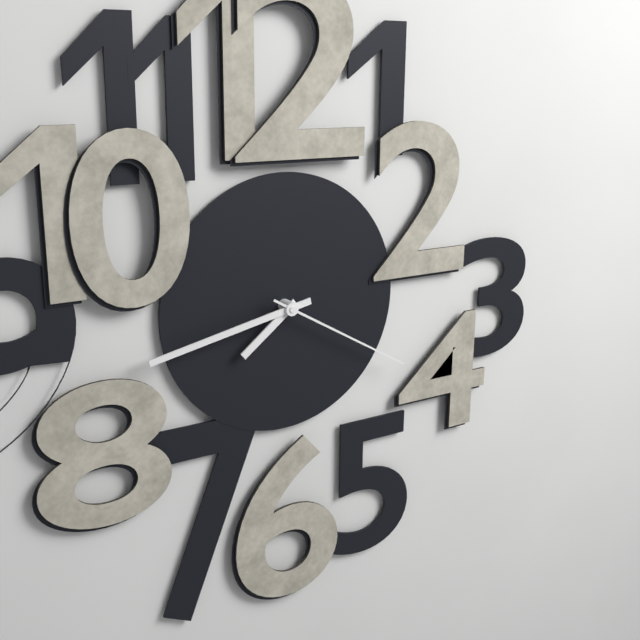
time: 7:43:20
